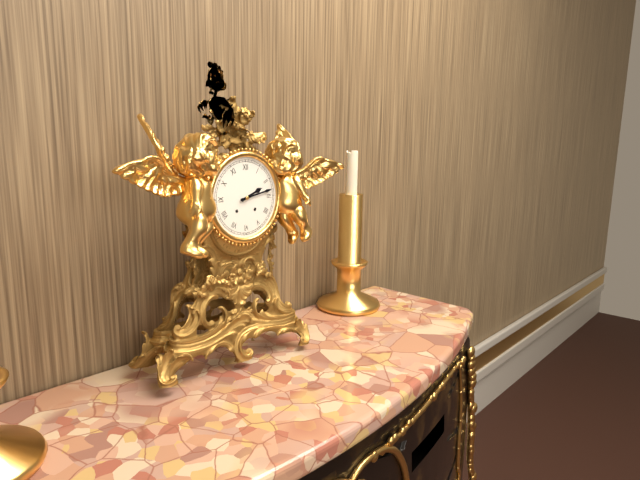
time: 2:13
